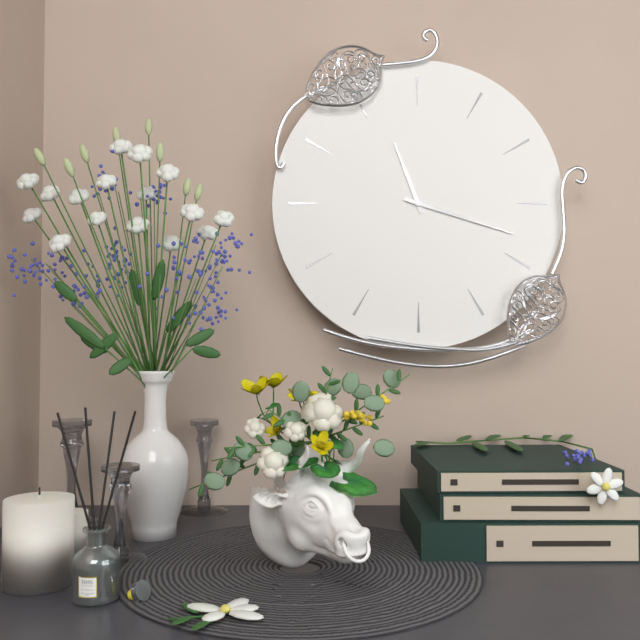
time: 11:18
